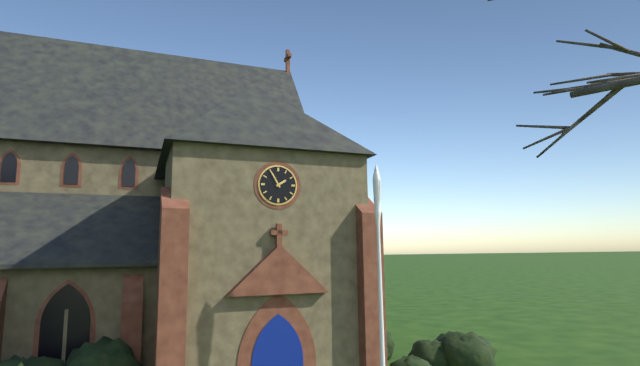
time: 1:55
